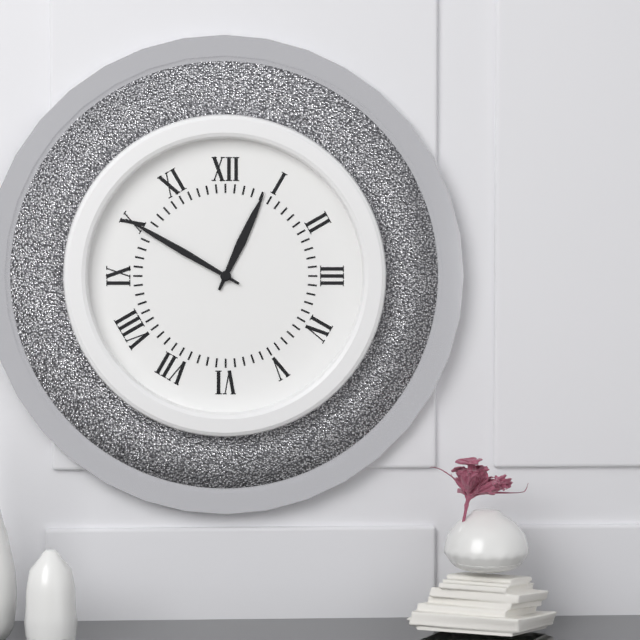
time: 12:50
